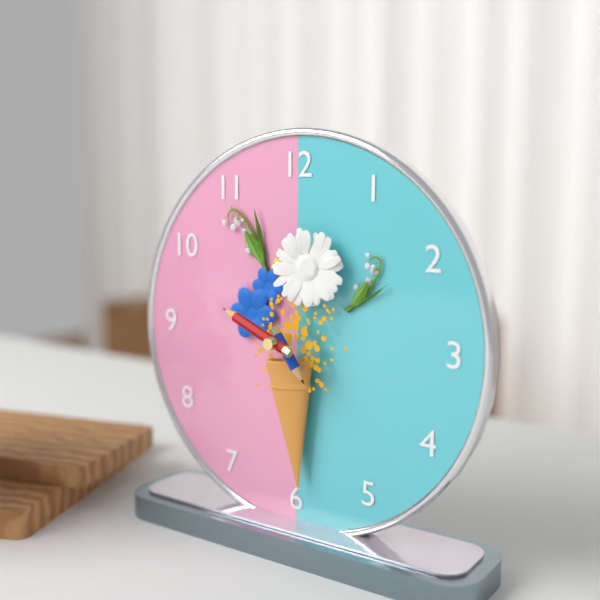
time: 4:49
